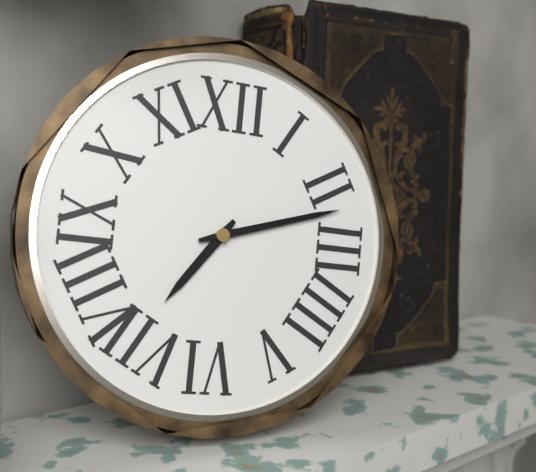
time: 7:12
